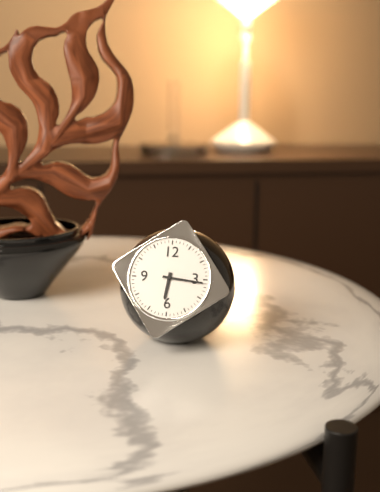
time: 6:16
